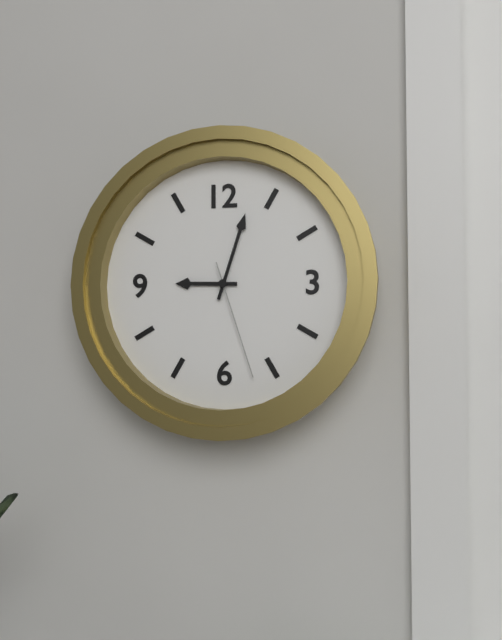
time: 9:03:27
